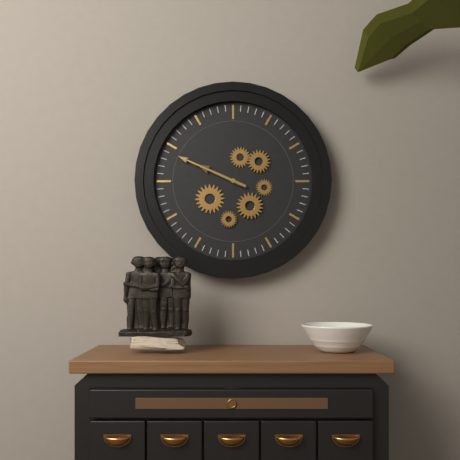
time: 9:49
